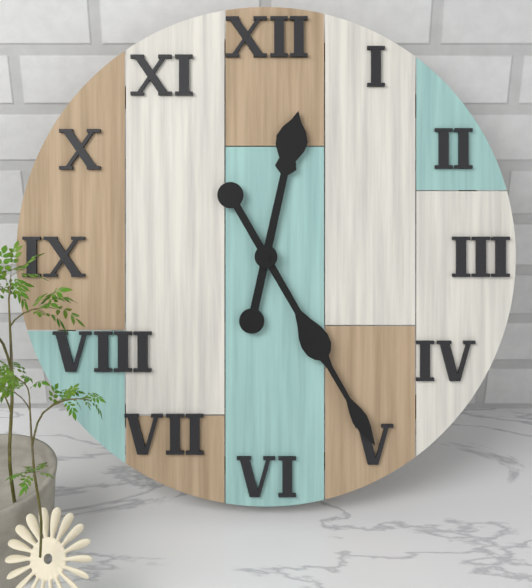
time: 12:25
